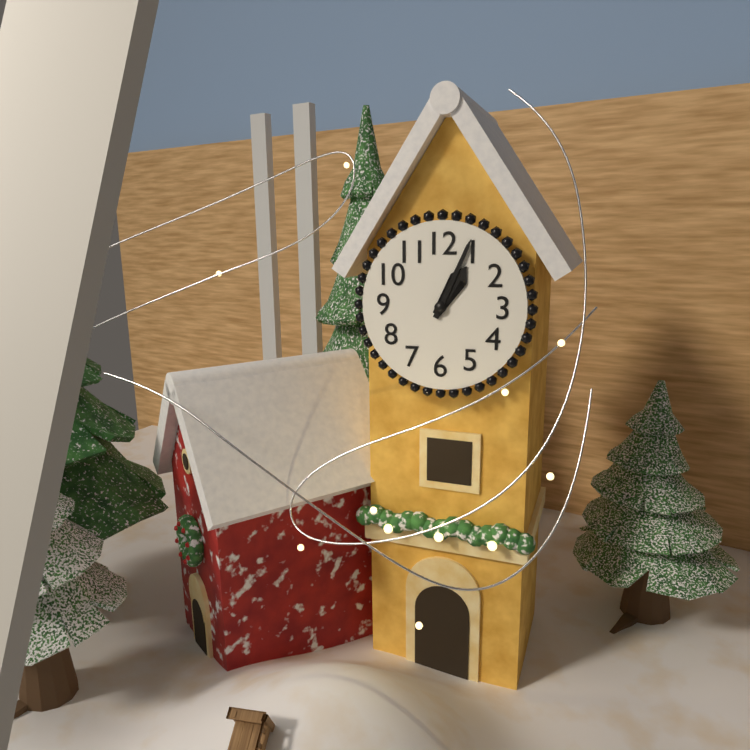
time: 1:04
